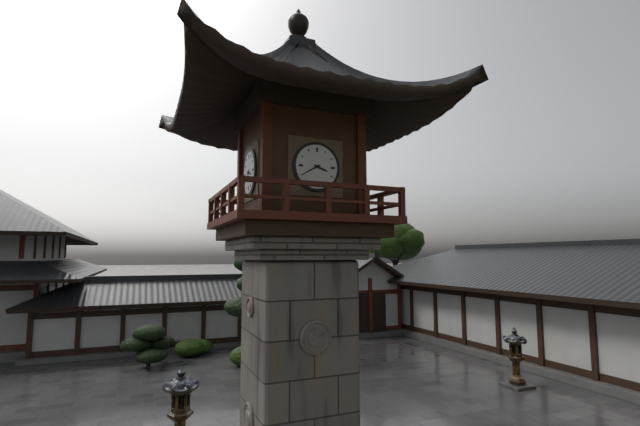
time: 3:40
